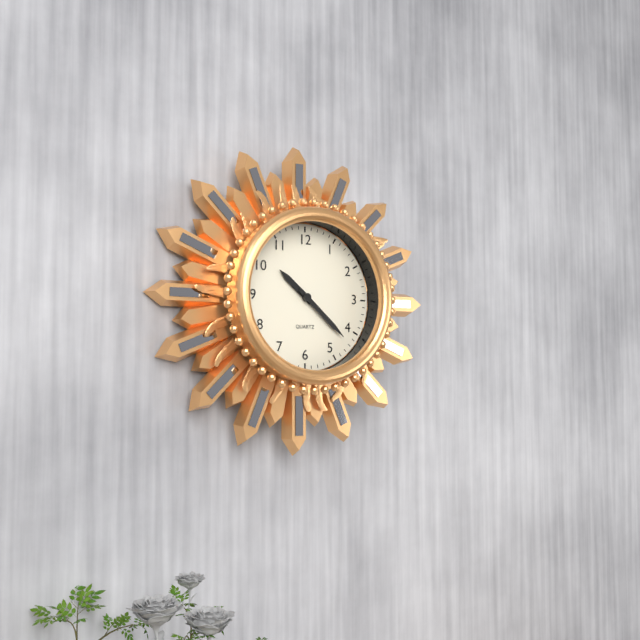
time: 10:22
